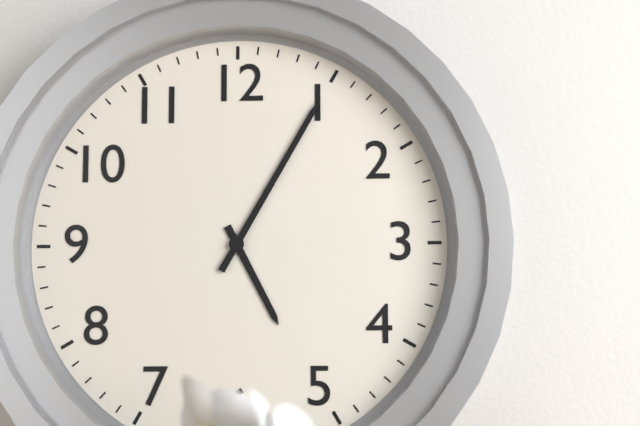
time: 5:05
